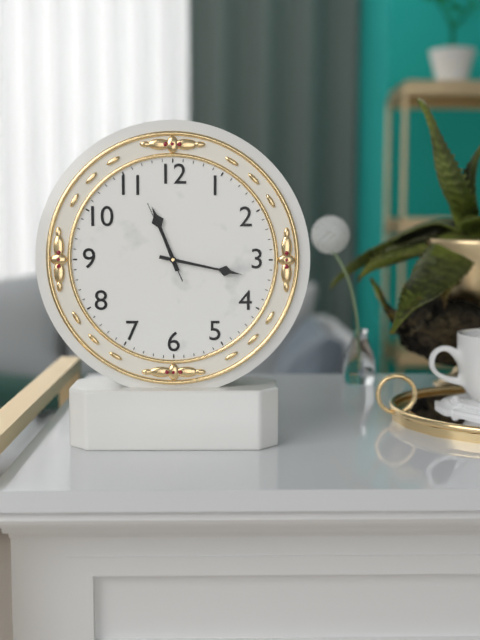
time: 11:17:56
